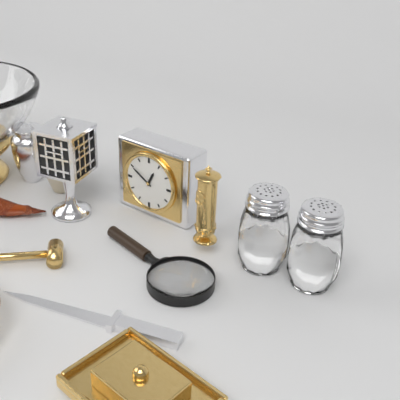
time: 12:50
